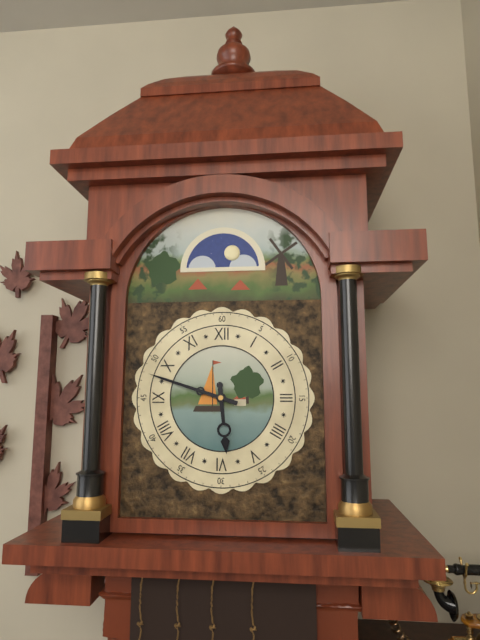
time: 5:48
